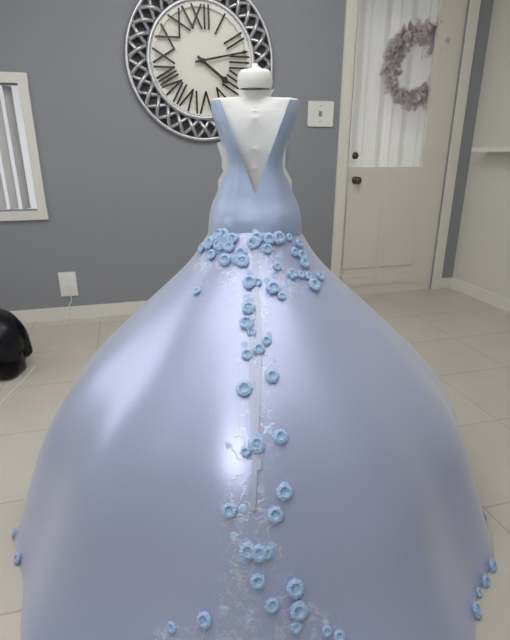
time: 4:13
